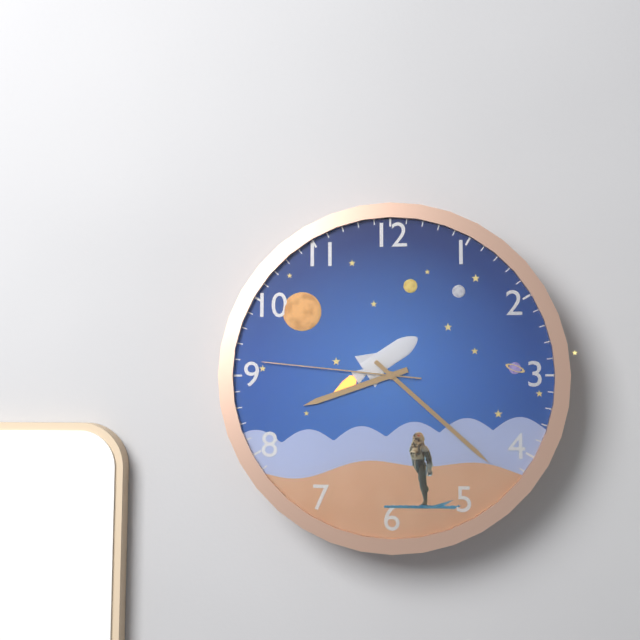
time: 8:22:46
